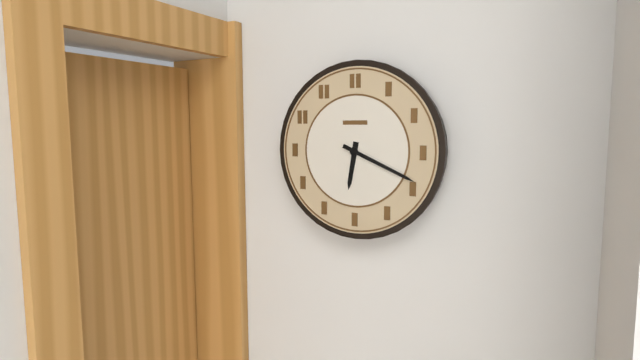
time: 6:19
